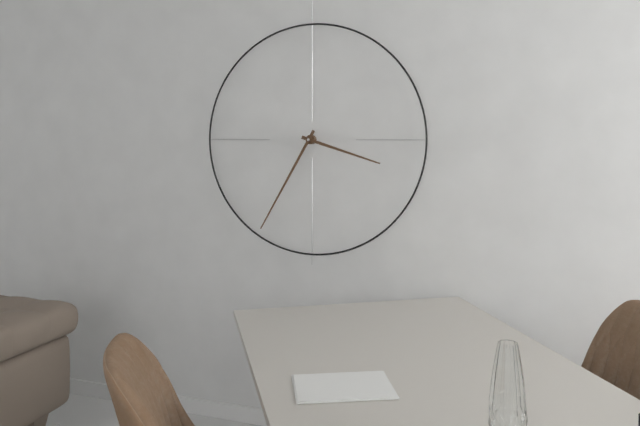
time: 3:35
